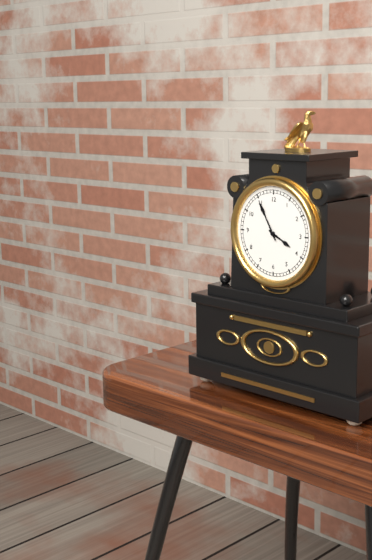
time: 3:55
